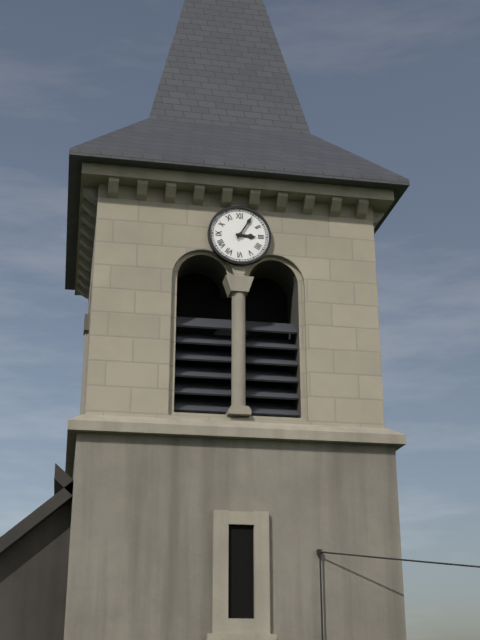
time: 3:05
